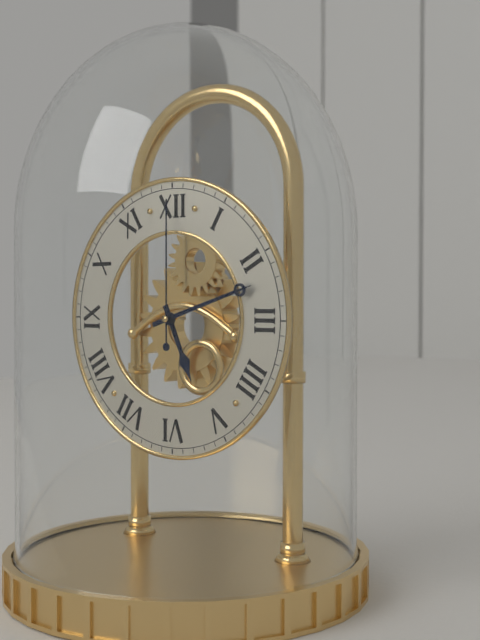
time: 5:12:00
